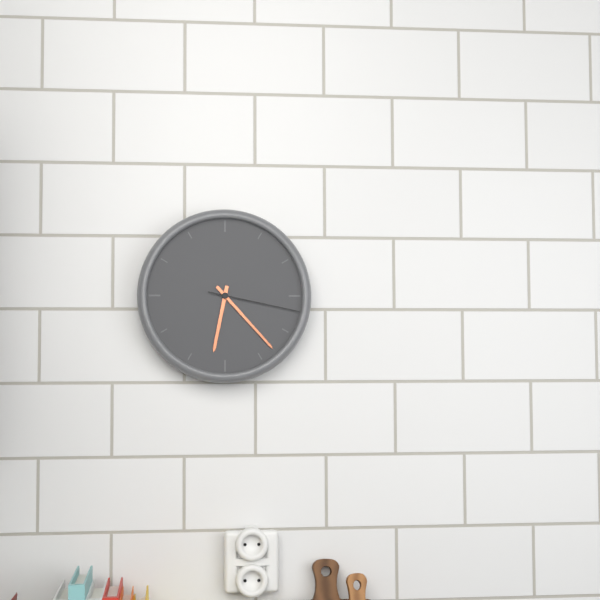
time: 6:23:17
